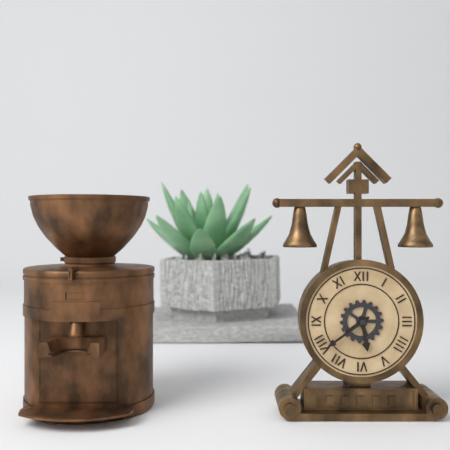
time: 5:39
